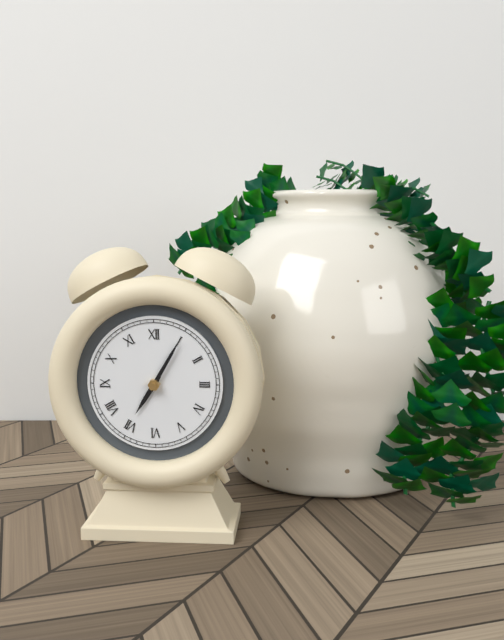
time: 7:05
